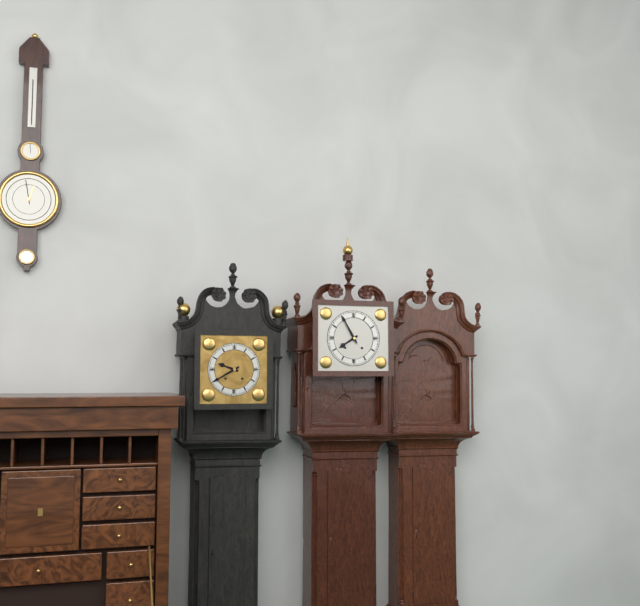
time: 7:55
